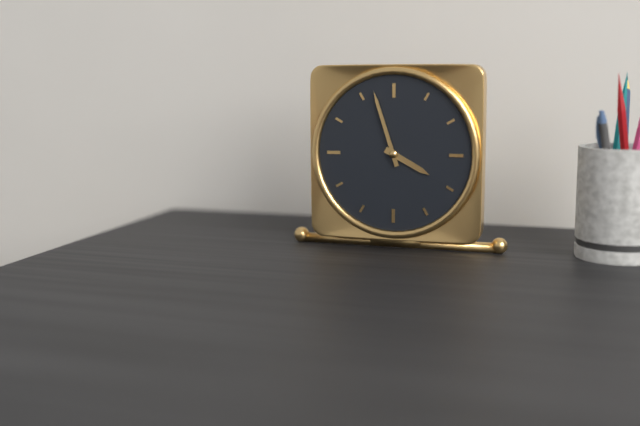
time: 3:57
